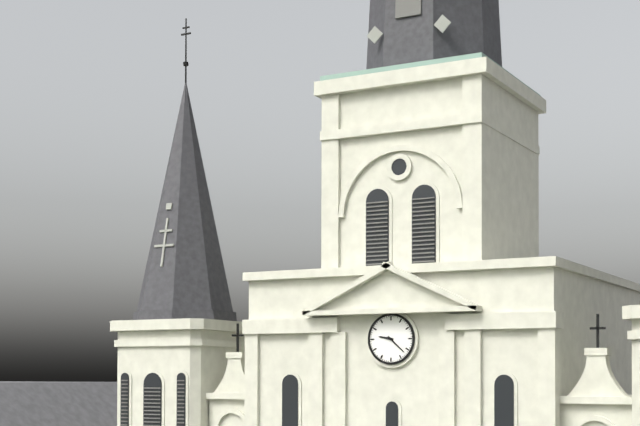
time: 9:22
